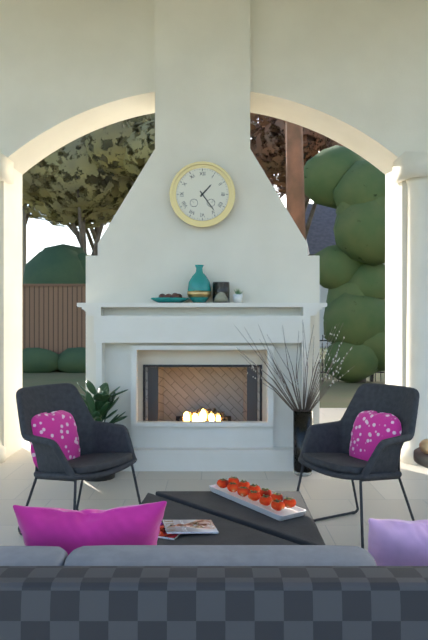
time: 1:24
